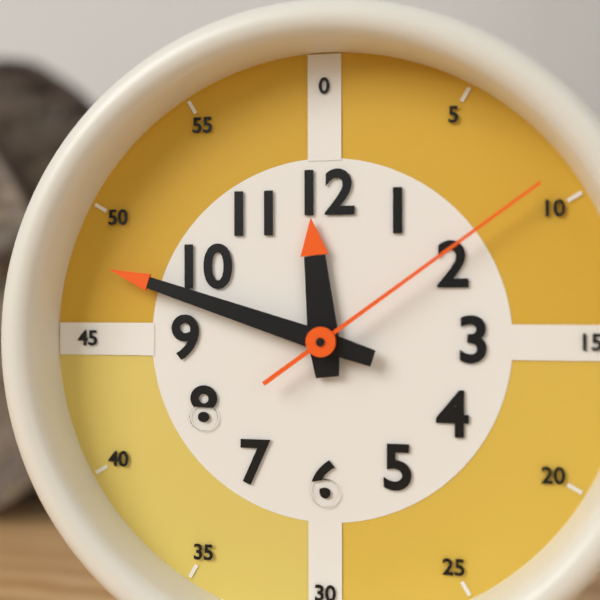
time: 11:48:09
